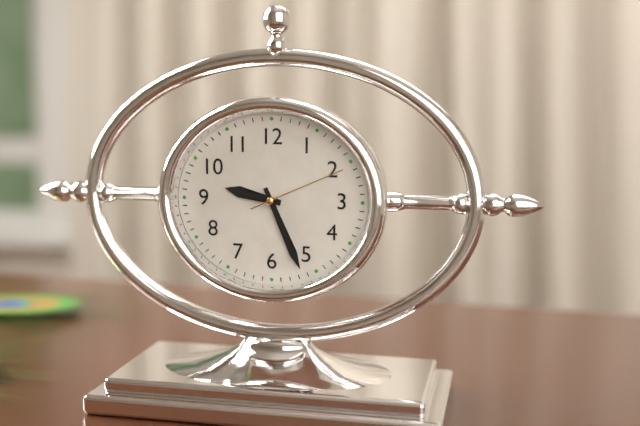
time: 9:26:11
